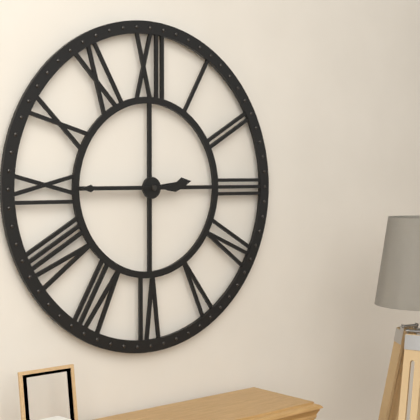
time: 2:45
